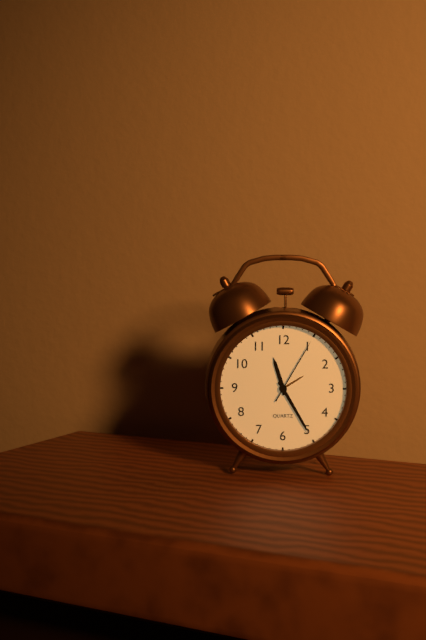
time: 11:25:05
